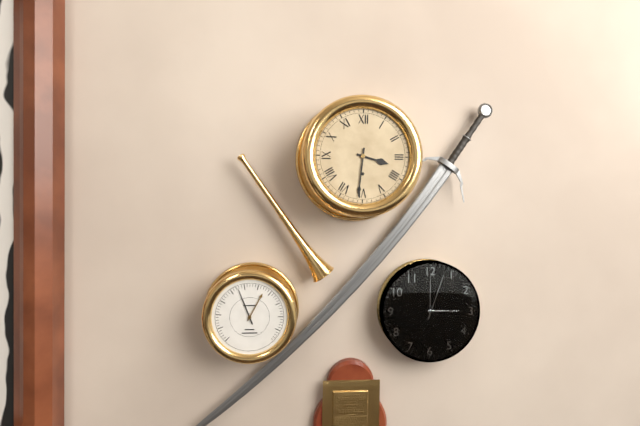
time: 3:31
